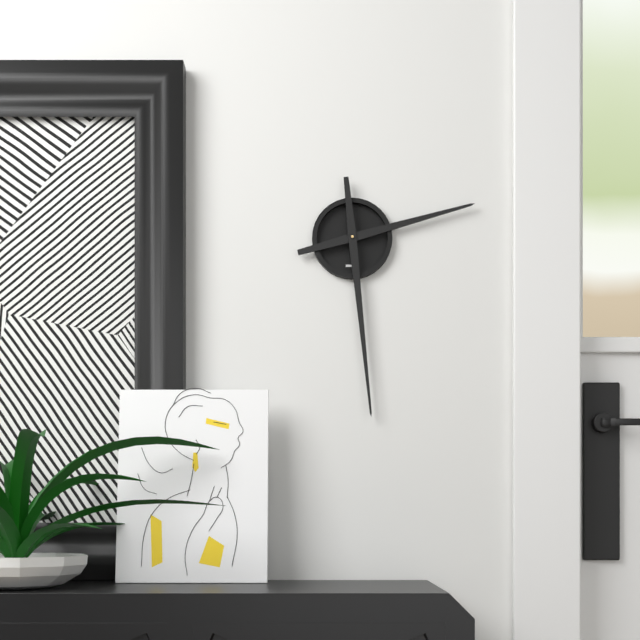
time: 2:29
